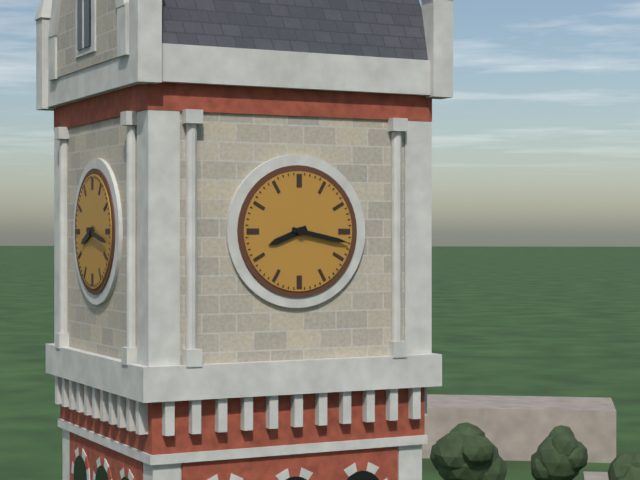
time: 8:17
